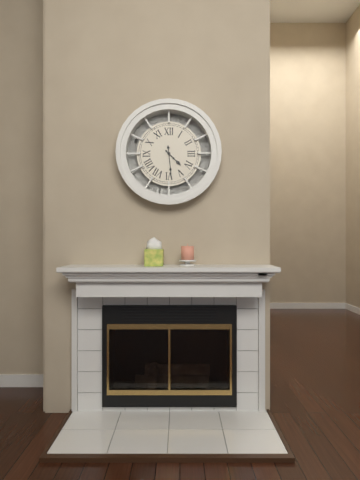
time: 4:29
